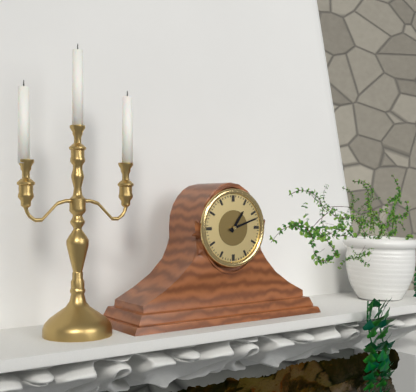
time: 1:12
